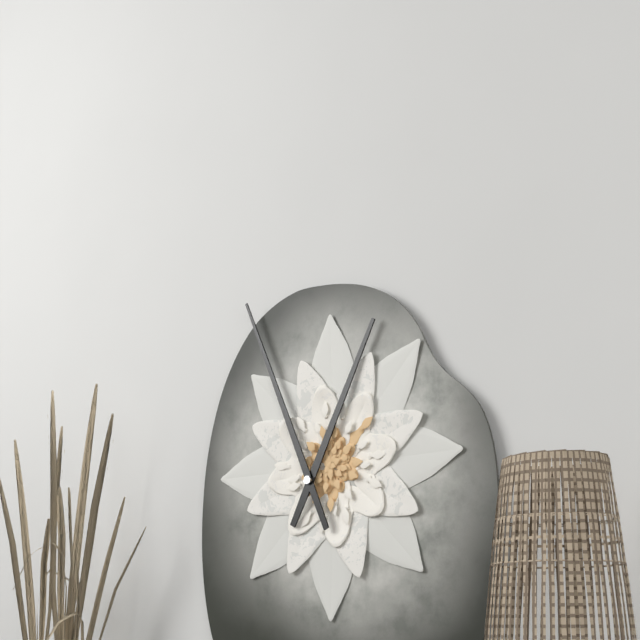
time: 12:56
